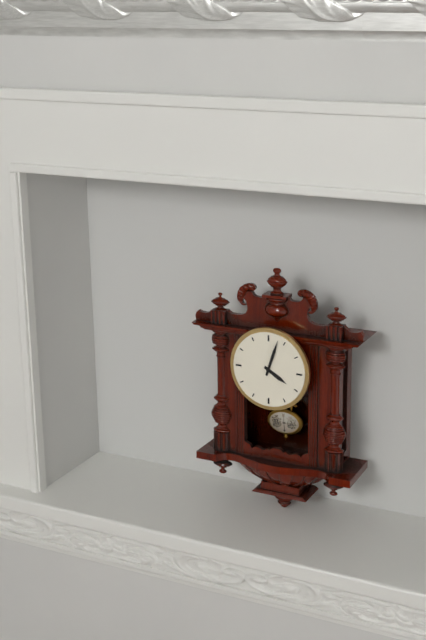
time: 4:03
